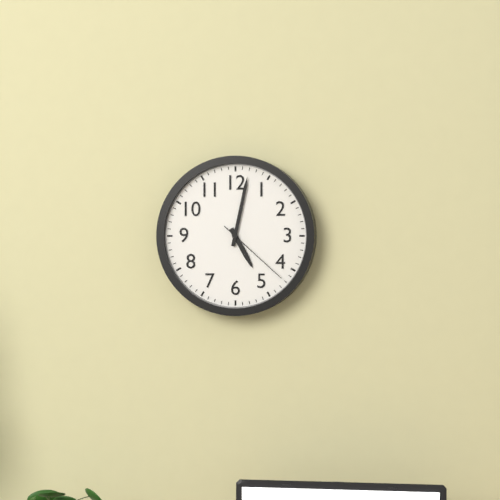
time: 5:02:22
